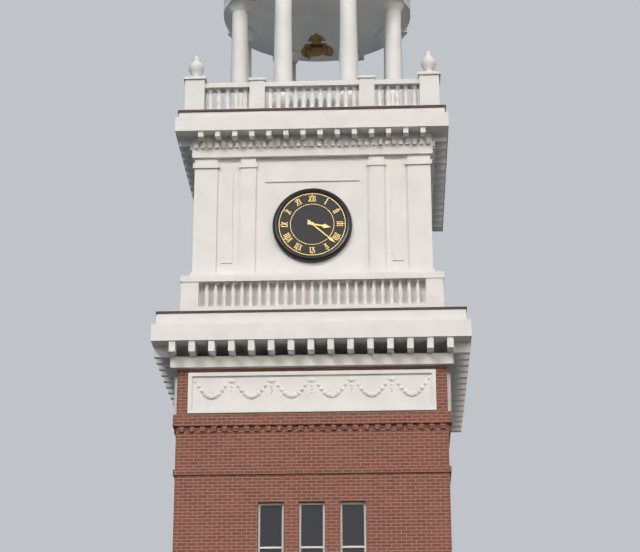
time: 3:22
